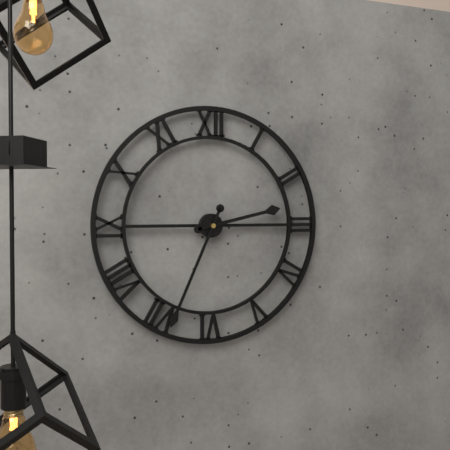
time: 2:34
